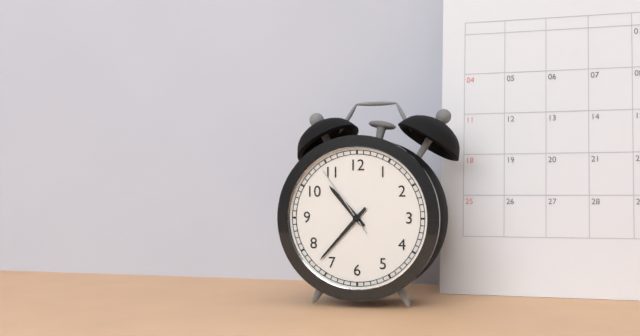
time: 10:37:54
